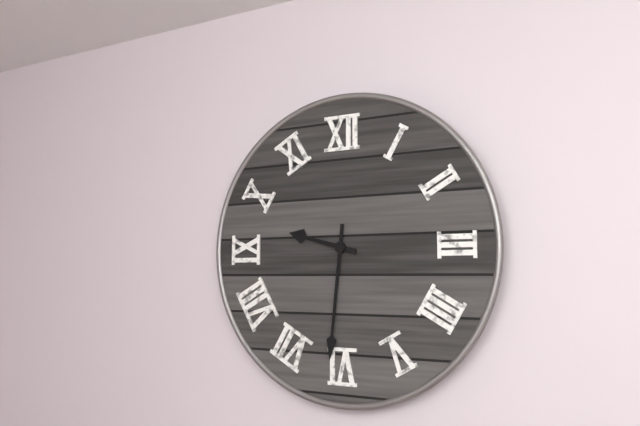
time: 9:31
